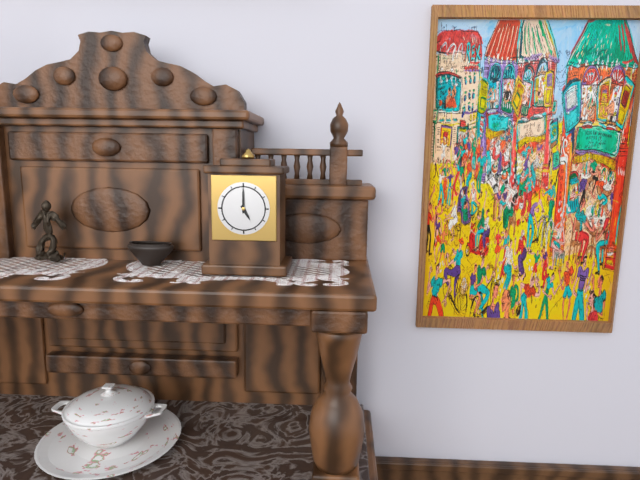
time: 5:00
